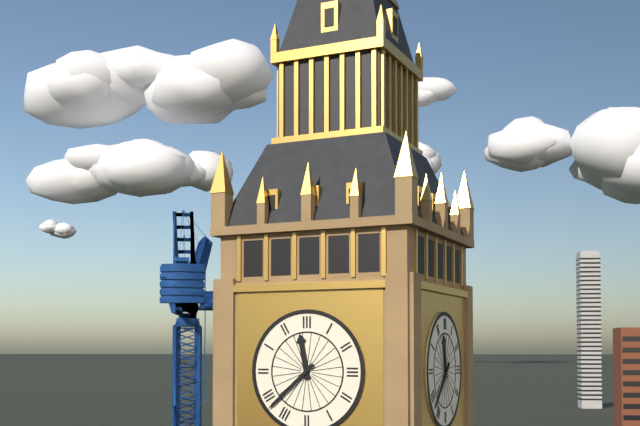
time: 11:38
